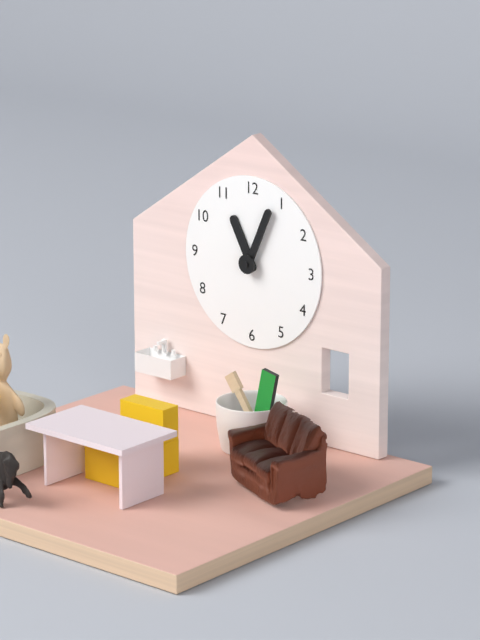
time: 11:04
